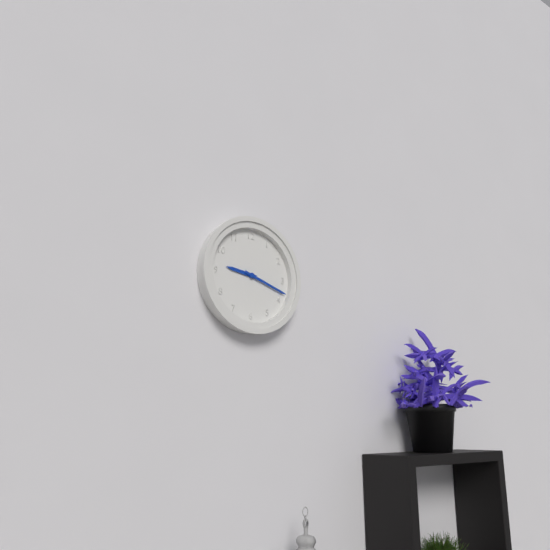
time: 9:18
